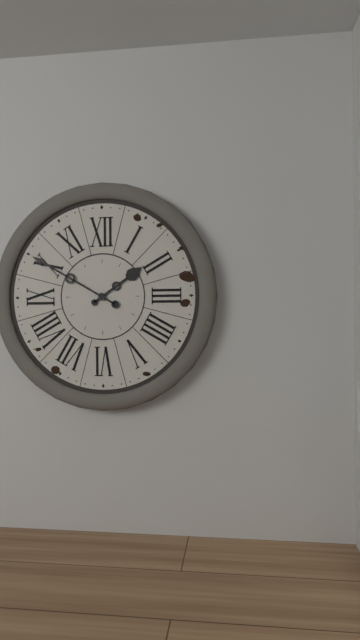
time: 1:50
